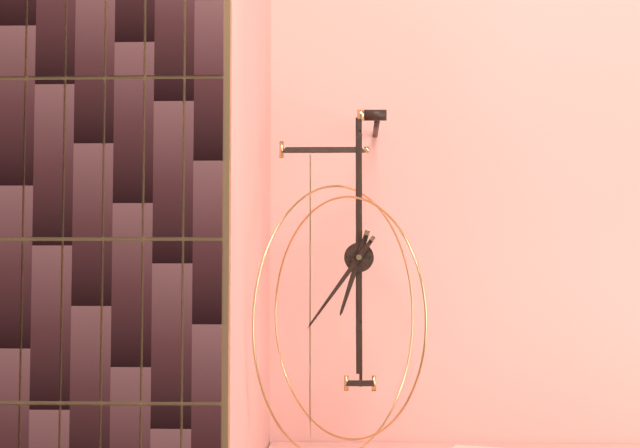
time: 6:36
